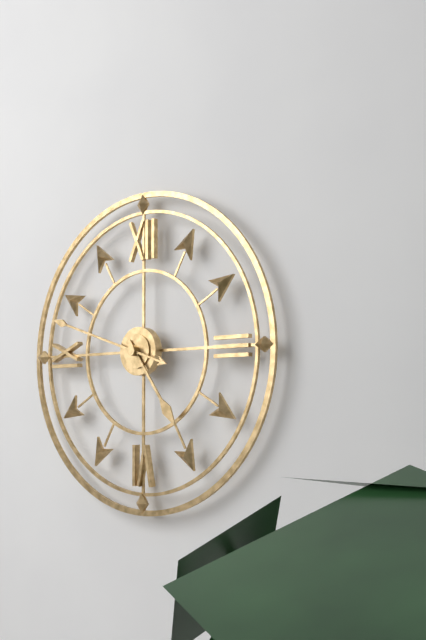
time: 4:48
